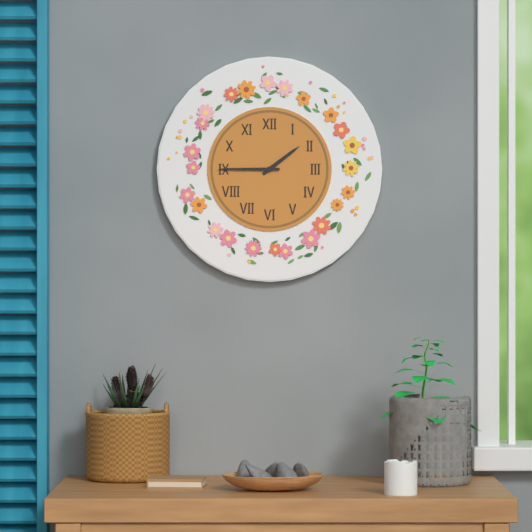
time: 1:45
